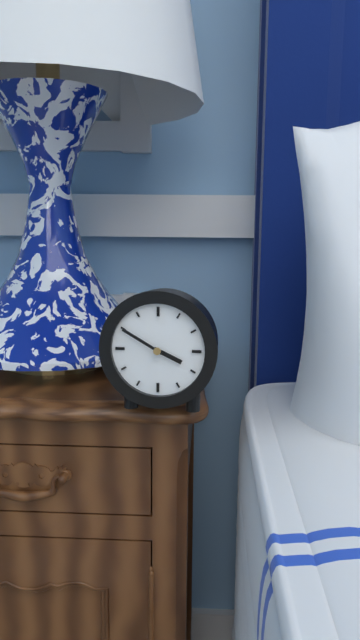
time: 3:50
